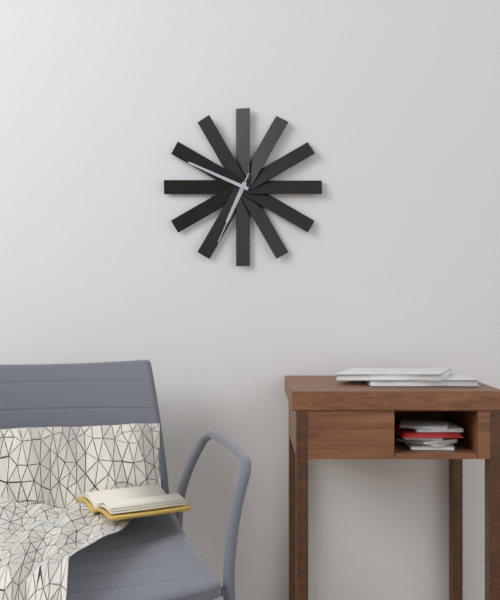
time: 6:49:34
